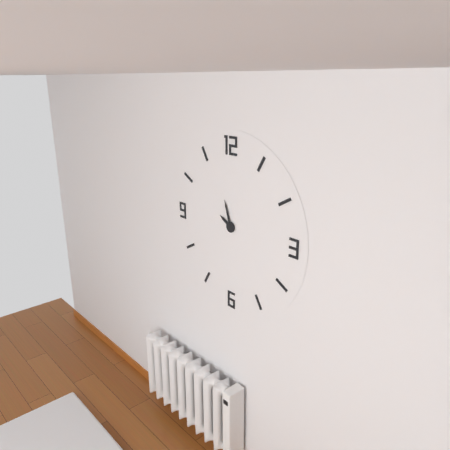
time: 9:57
